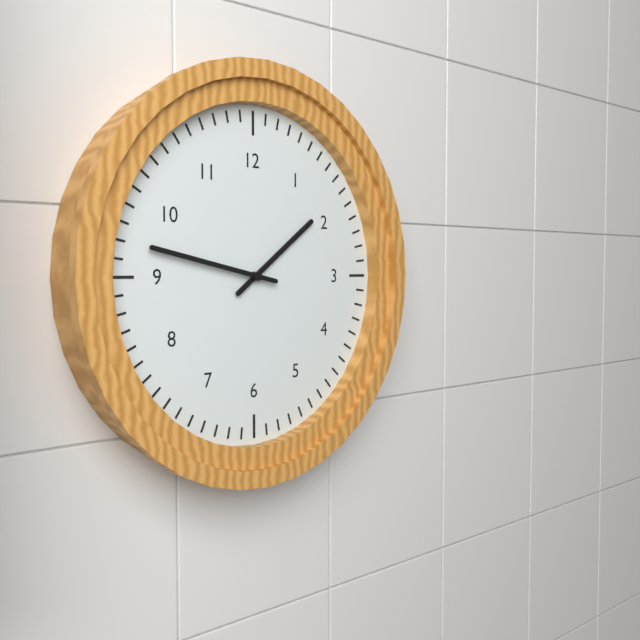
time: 1:47
